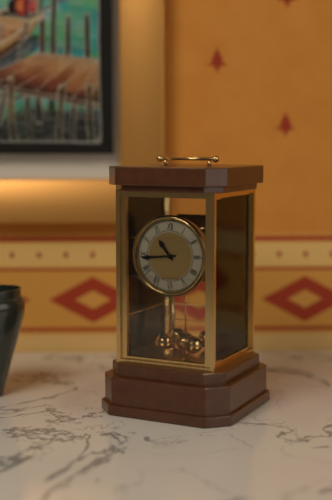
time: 10:44
